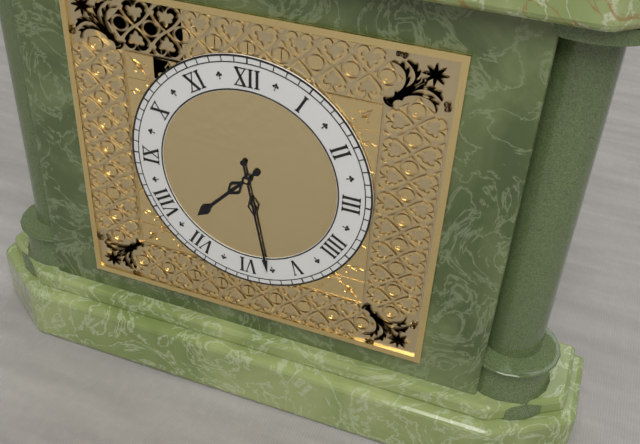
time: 7:28
